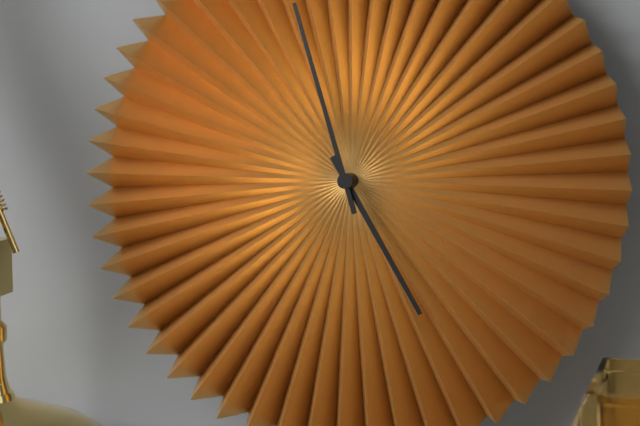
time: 4:57
